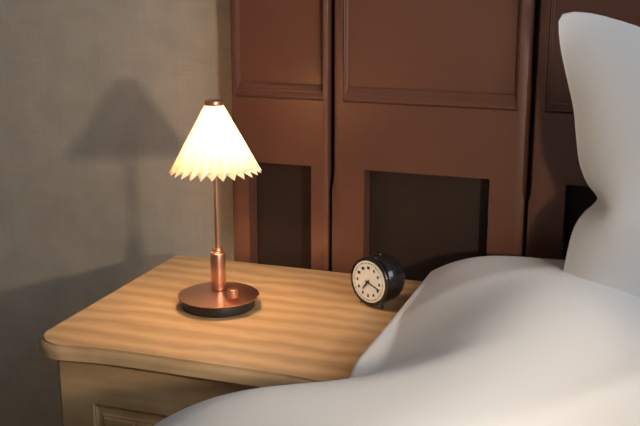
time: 7:18
